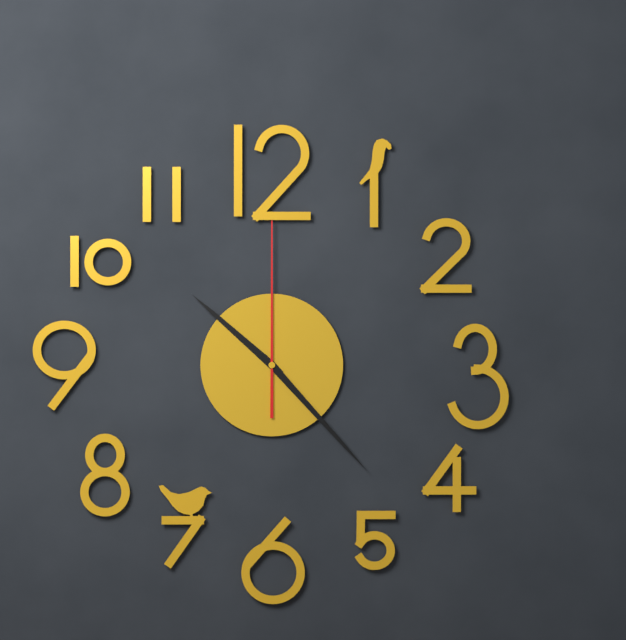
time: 10:23:00
